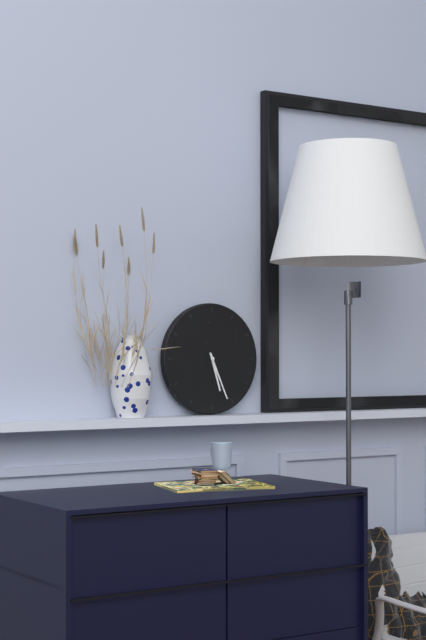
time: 5:26
